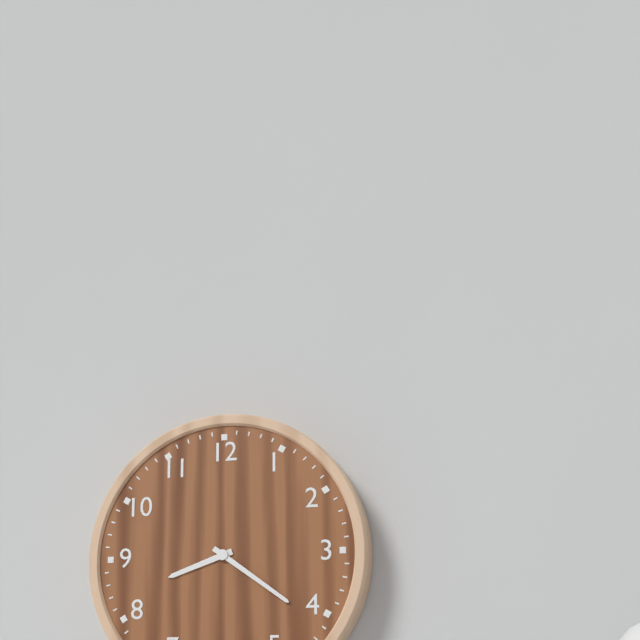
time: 8:21
